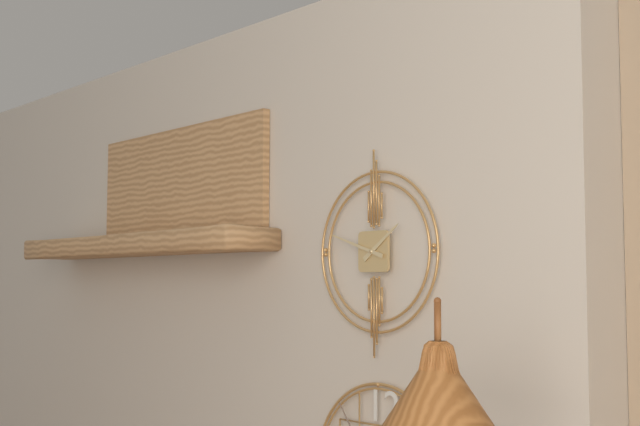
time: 1:48
